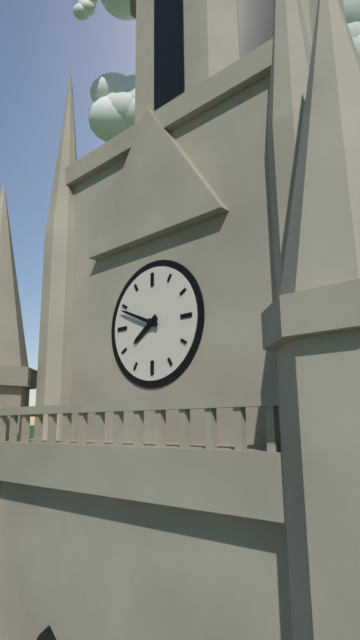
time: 7:49
